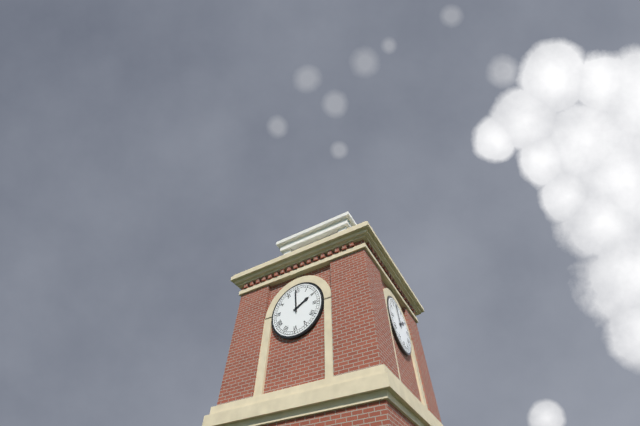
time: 1:59
